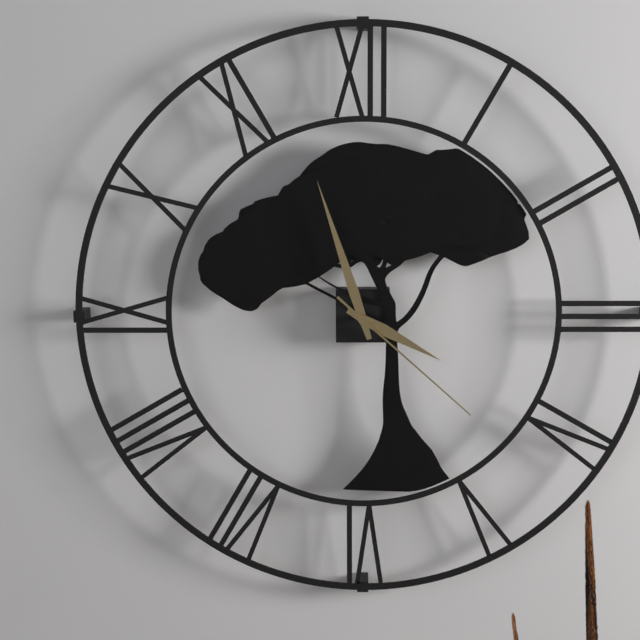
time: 3:57:22
